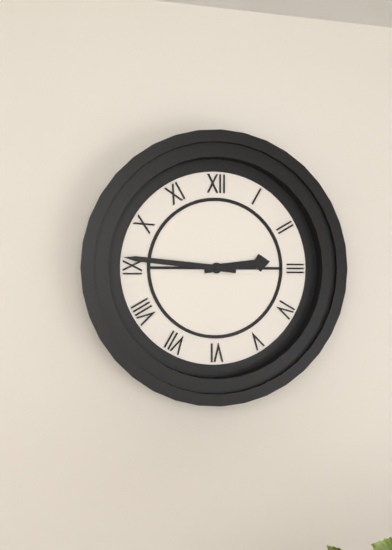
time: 2:46
